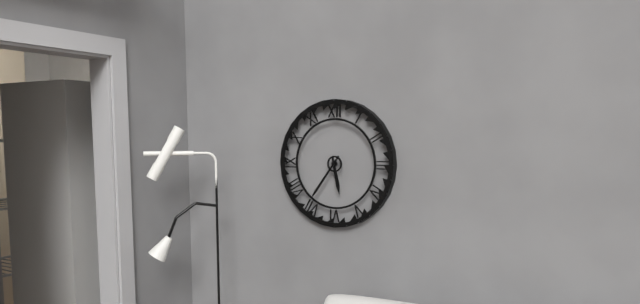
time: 5:36
